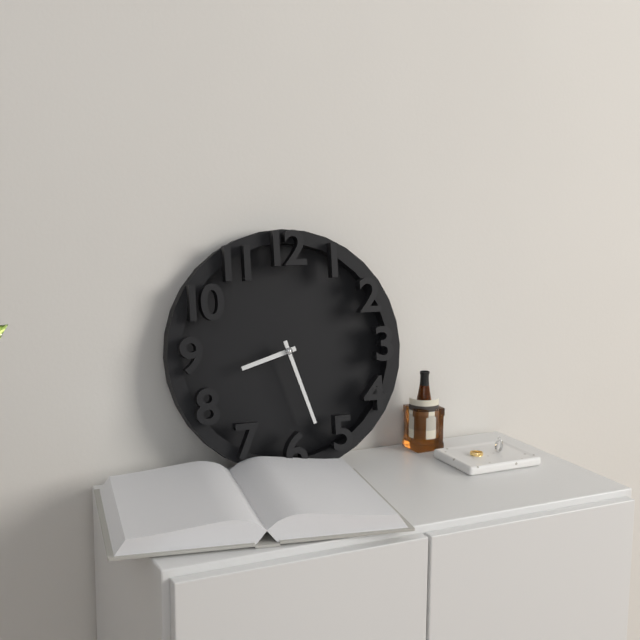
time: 8:27
